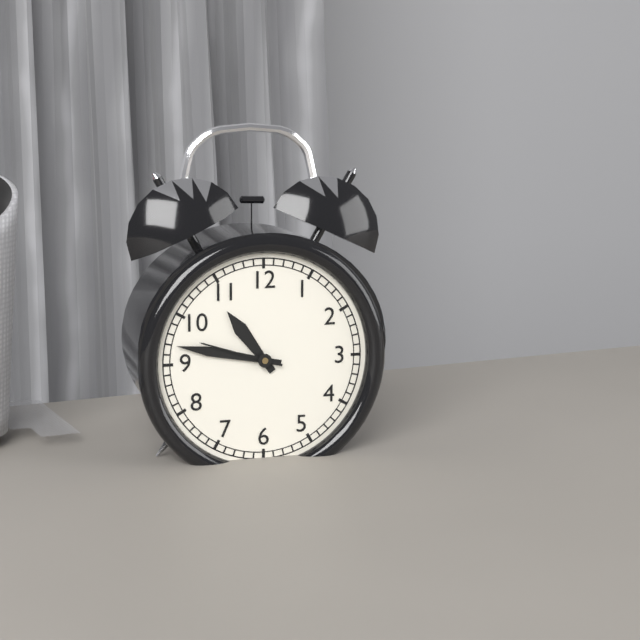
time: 10:47:48
